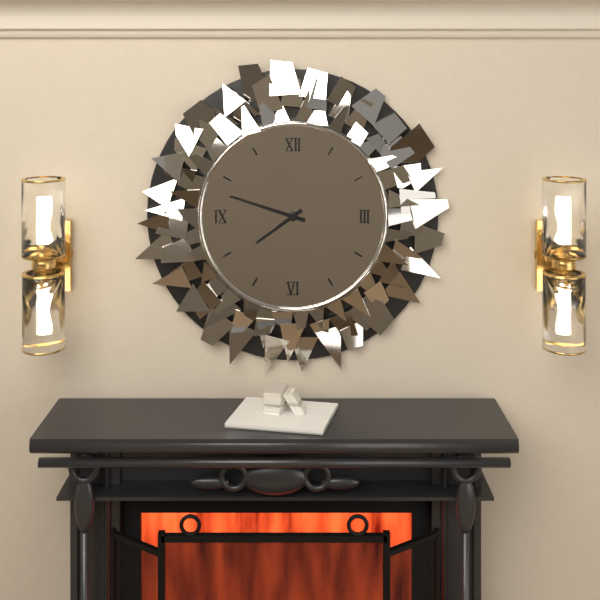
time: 7:48
